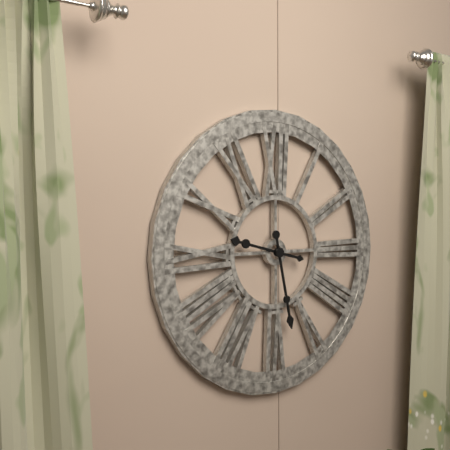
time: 9:28
